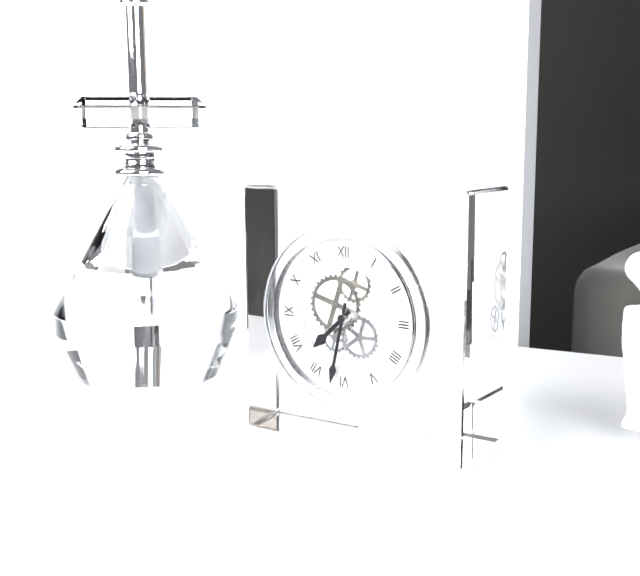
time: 7:32
